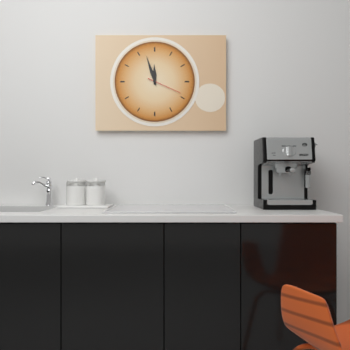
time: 11:57
